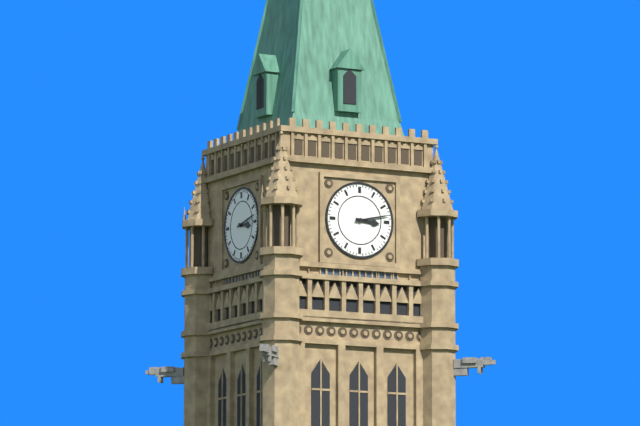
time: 3:13
